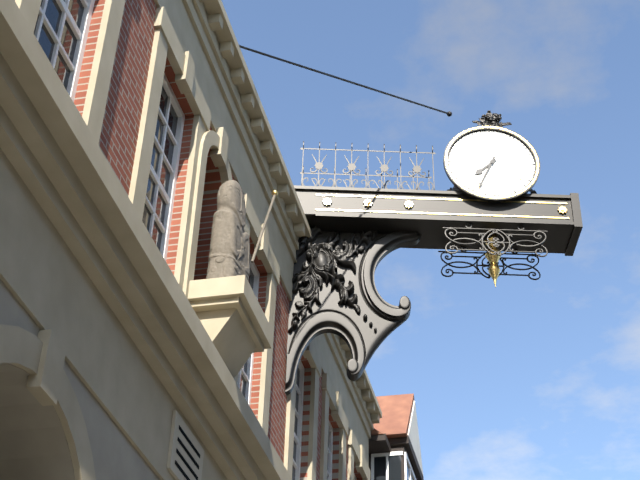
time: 7:34
